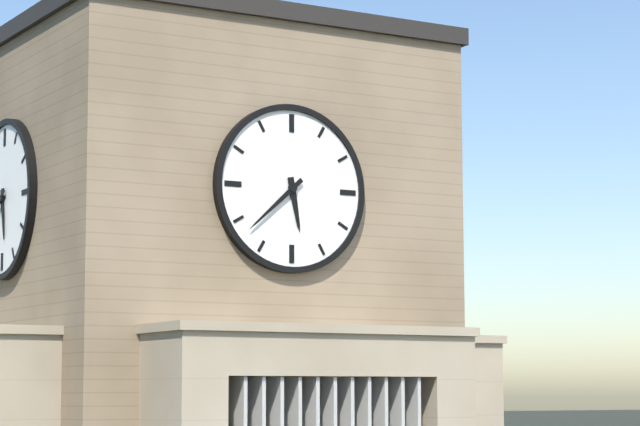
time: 5:38
